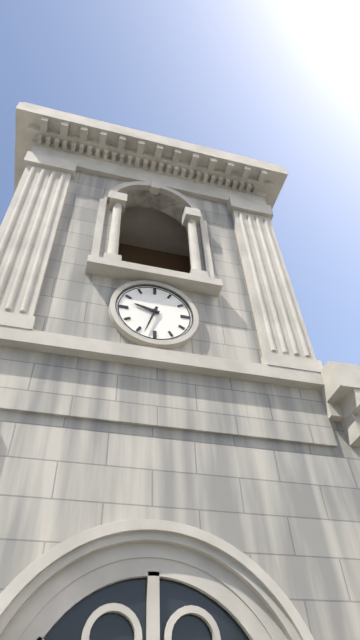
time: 9:33
